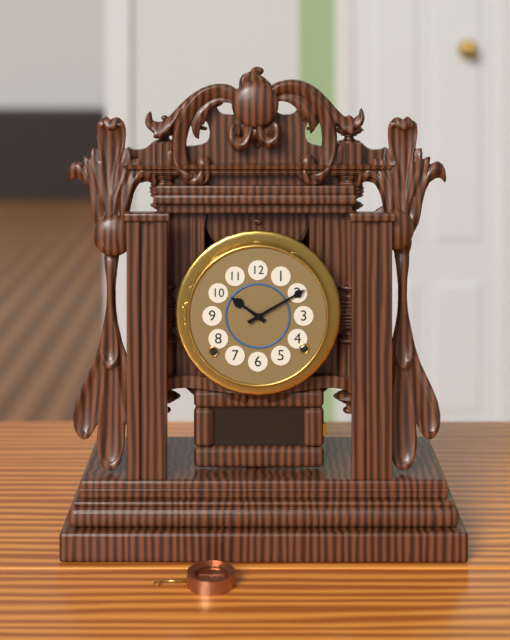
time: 10:10
